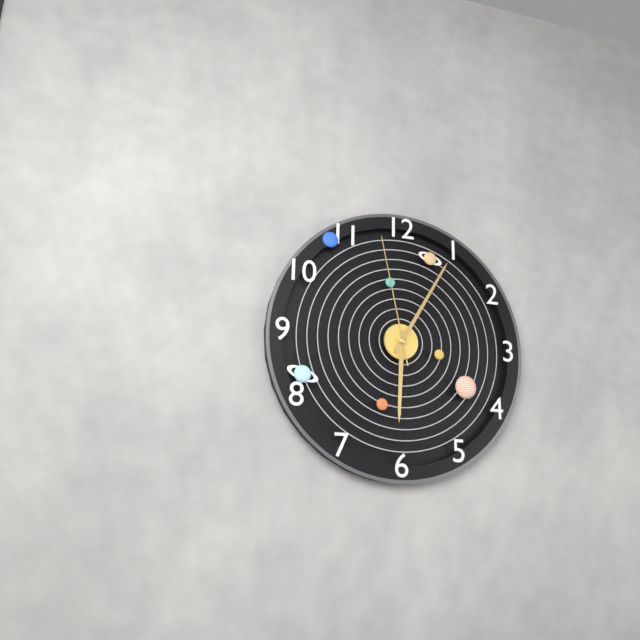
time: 6:05:58
